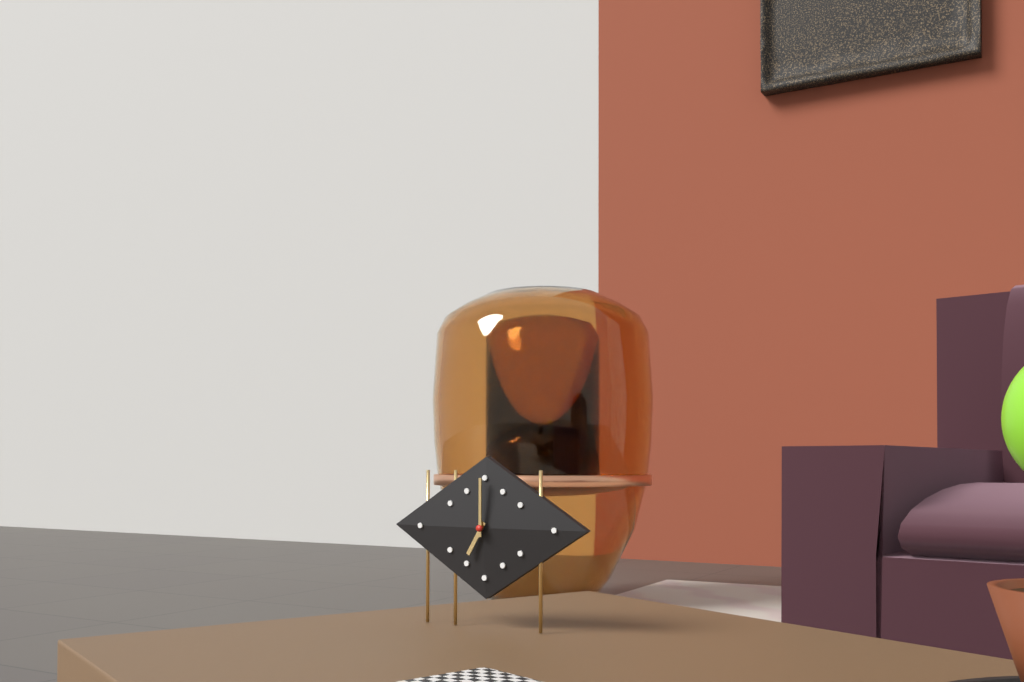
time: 7:00
